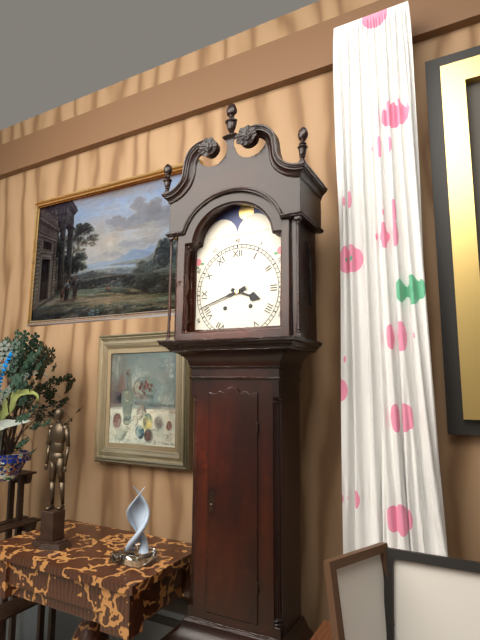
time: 3:42
